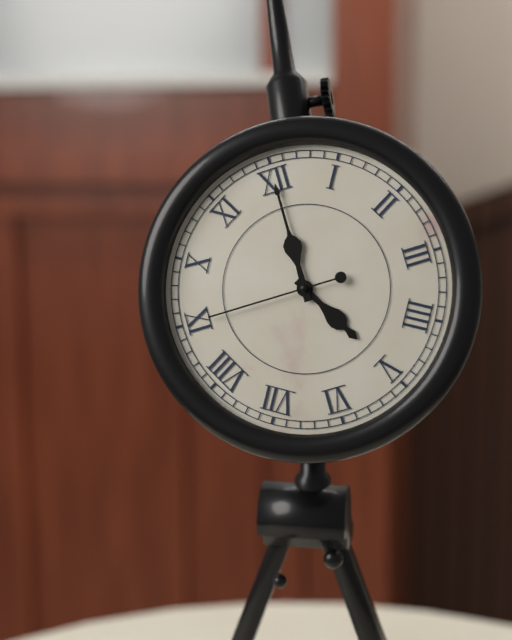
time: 5:00:45
